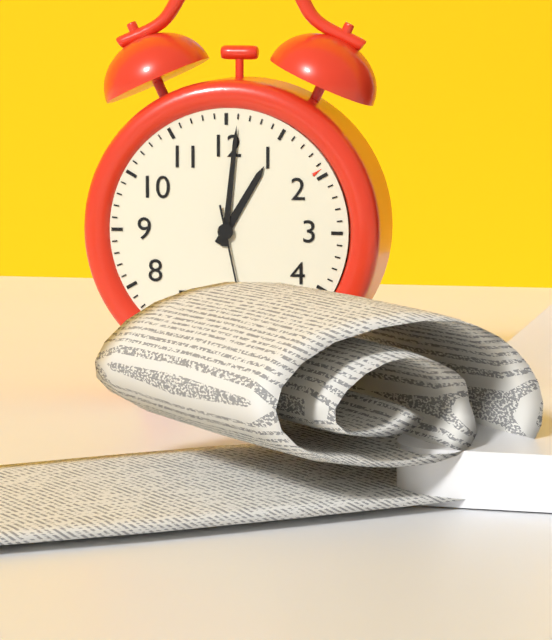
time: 1:01
